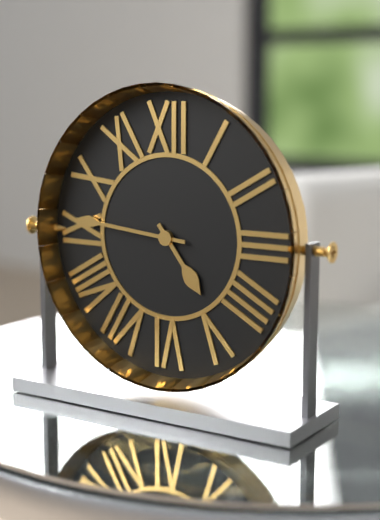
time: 4:46
